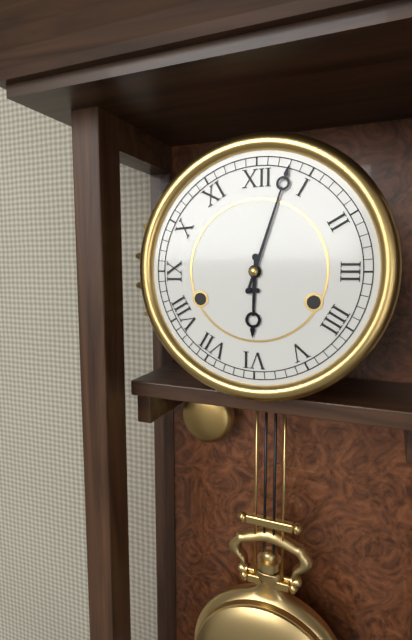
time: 6:03
